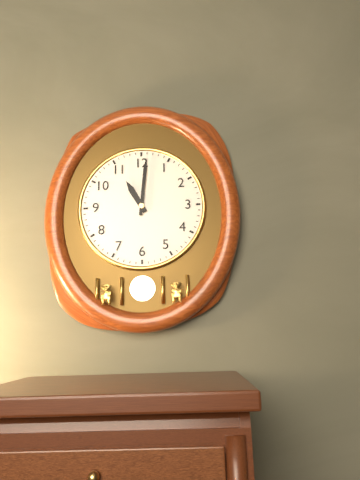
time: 11:01
